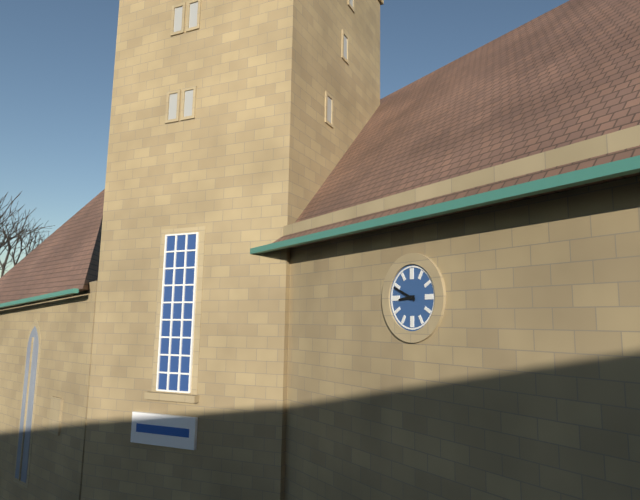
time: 8:49
